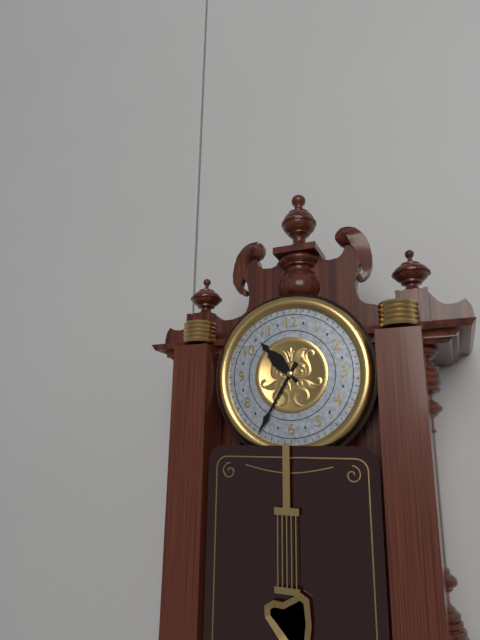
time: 10:35
